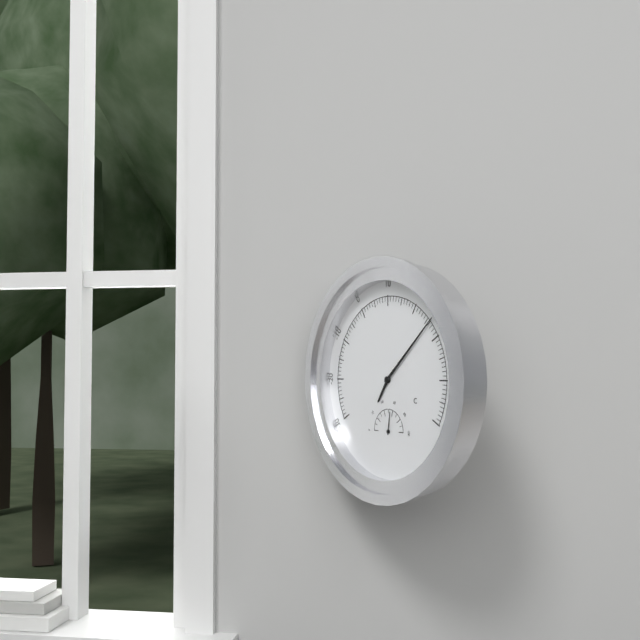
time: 7:08
